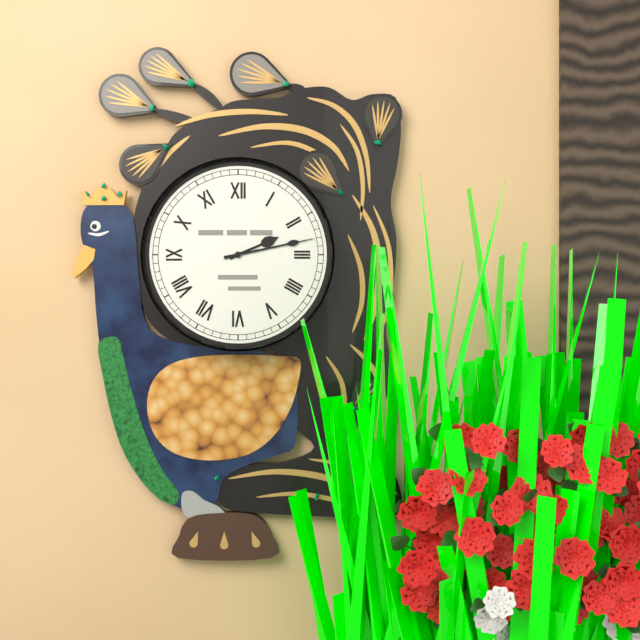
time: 2:13
